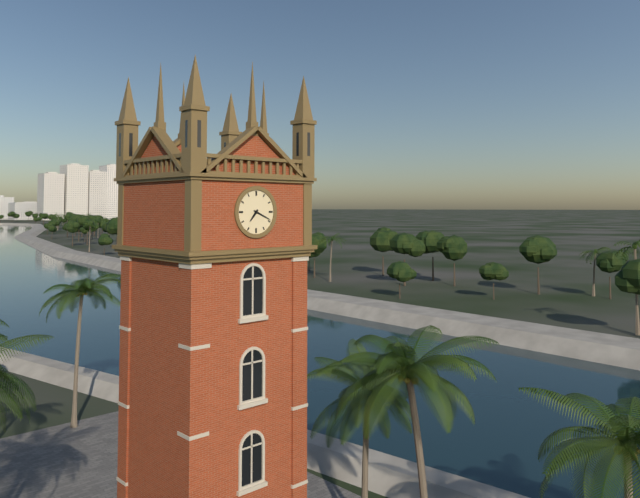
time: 7:19
